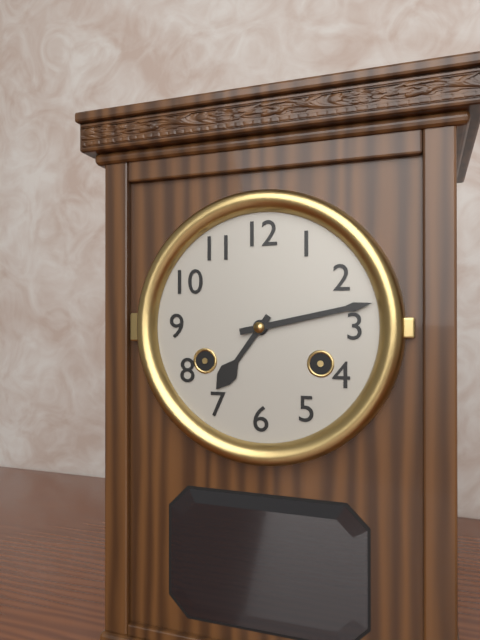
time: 7:13
